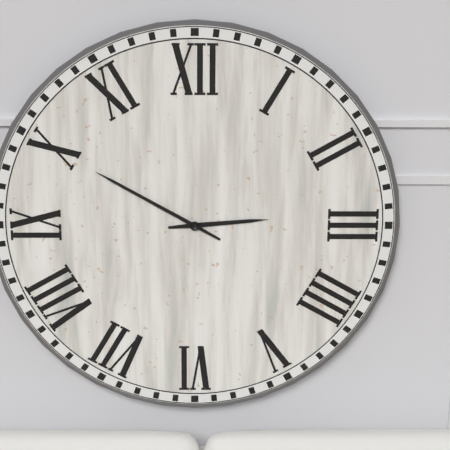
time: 2:50
